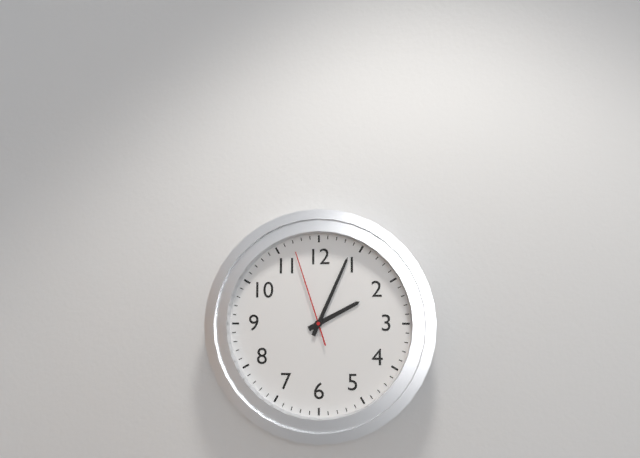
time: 2:04:57
